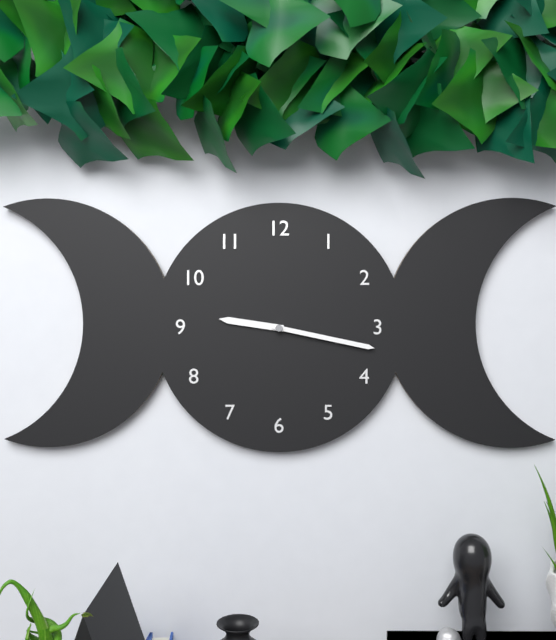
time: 9:17
